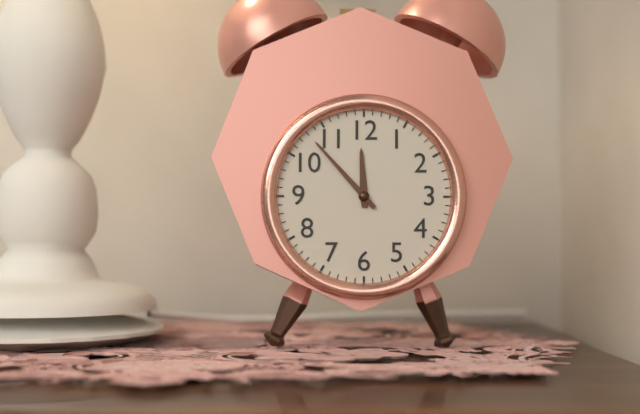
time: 11:53
